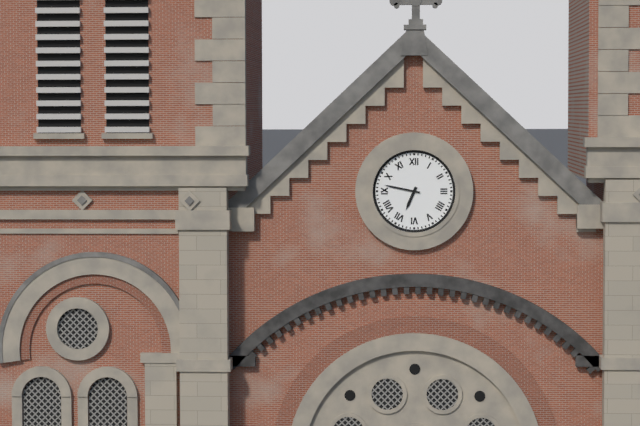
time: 6:47
